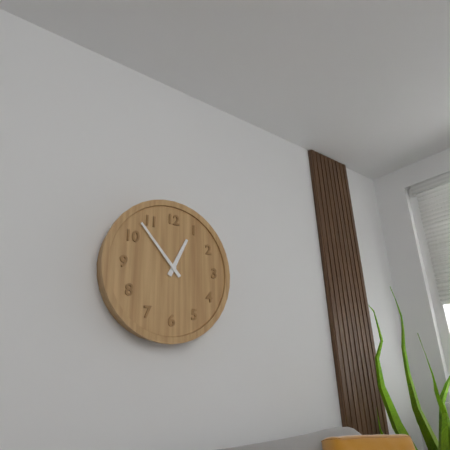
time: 12:53
